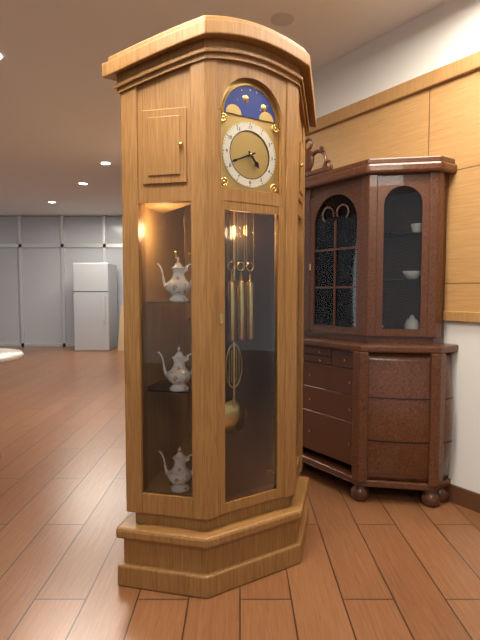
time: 4:41
